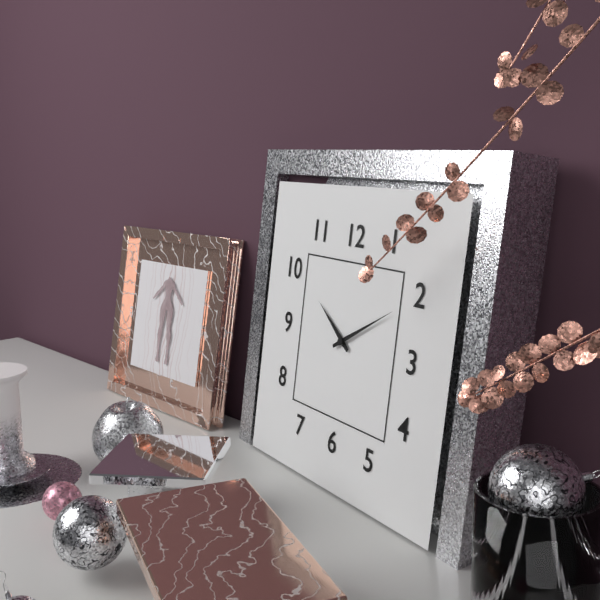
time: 10:10
